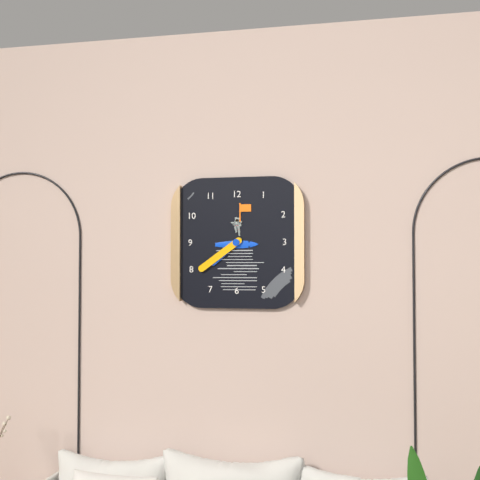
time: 7:39
